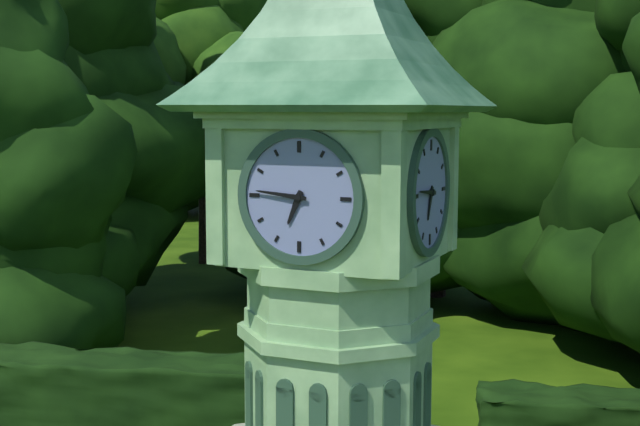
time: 6:46
